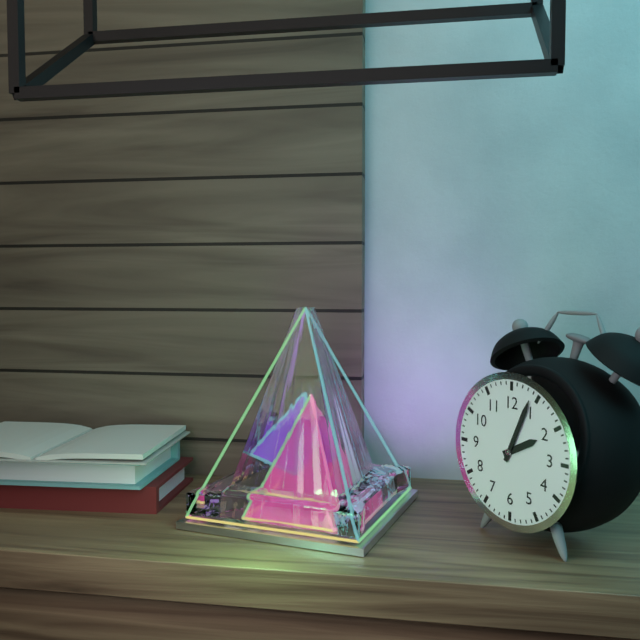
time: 2:04
